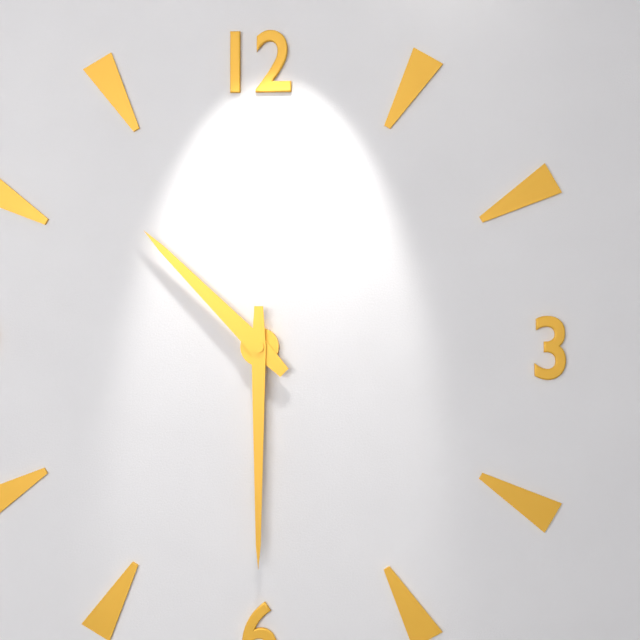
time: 10:30
